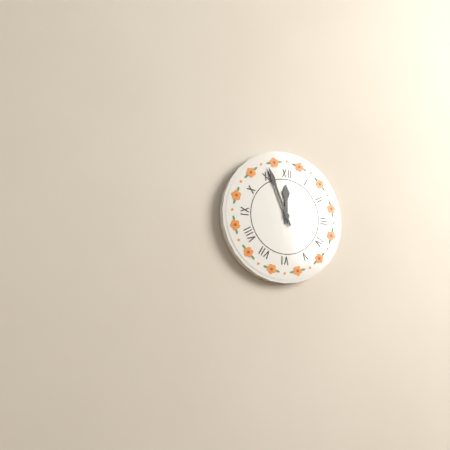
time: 11:56
